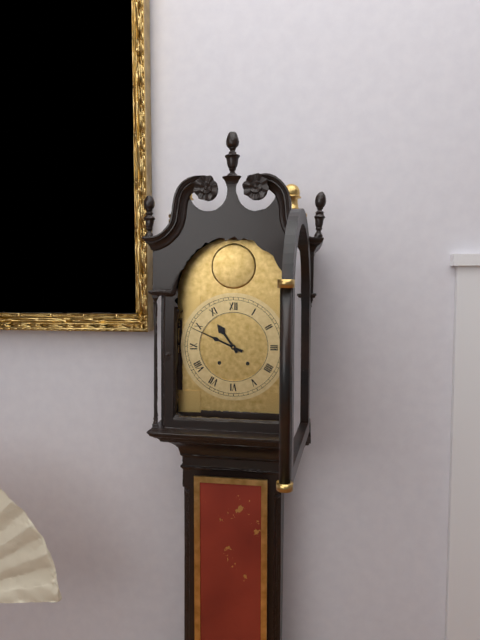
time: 10:49
